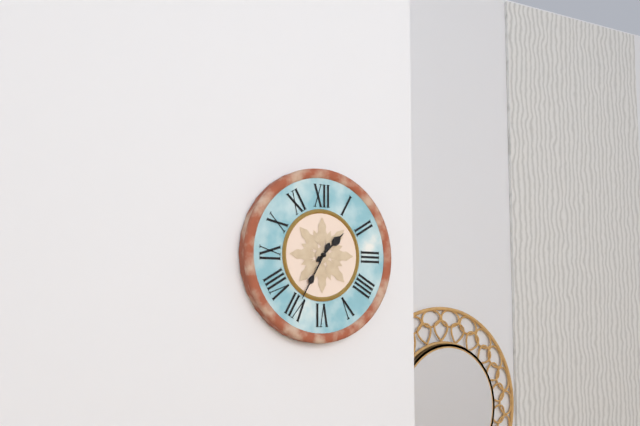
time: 1:35
